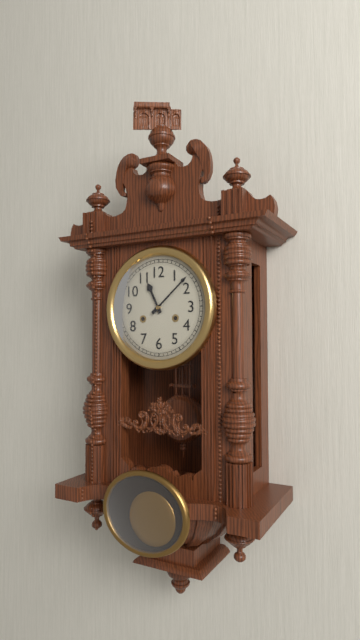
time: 11:08
